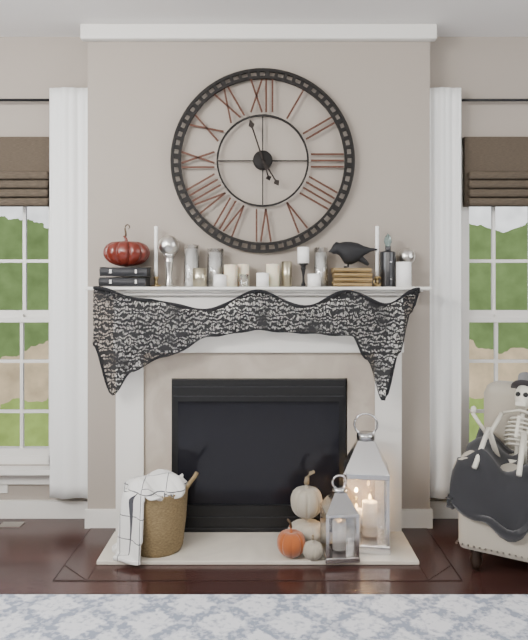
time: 4:57
